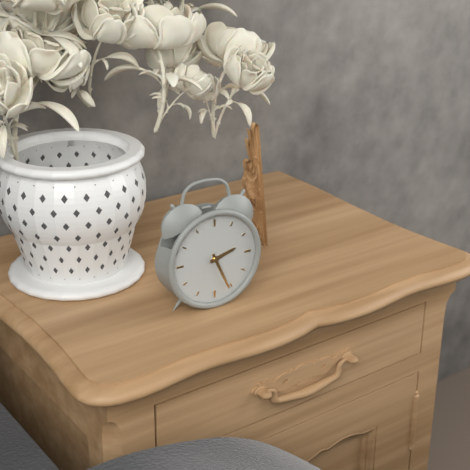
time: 2:26
